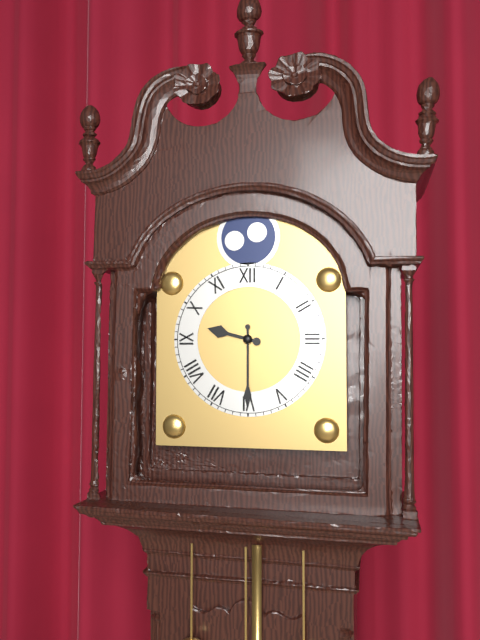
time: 9:30
